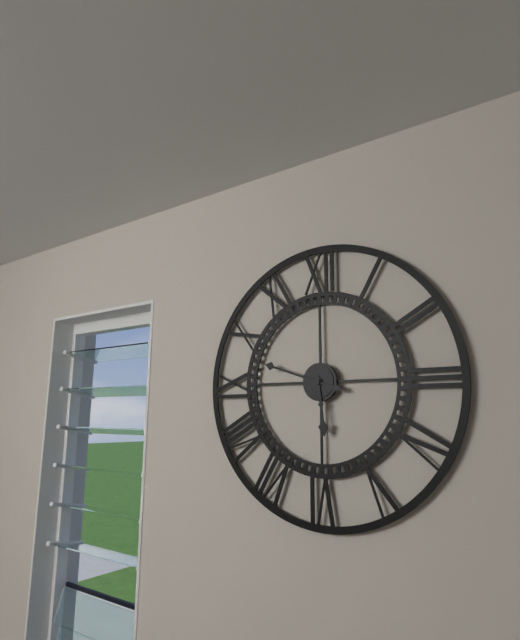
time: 5:48
